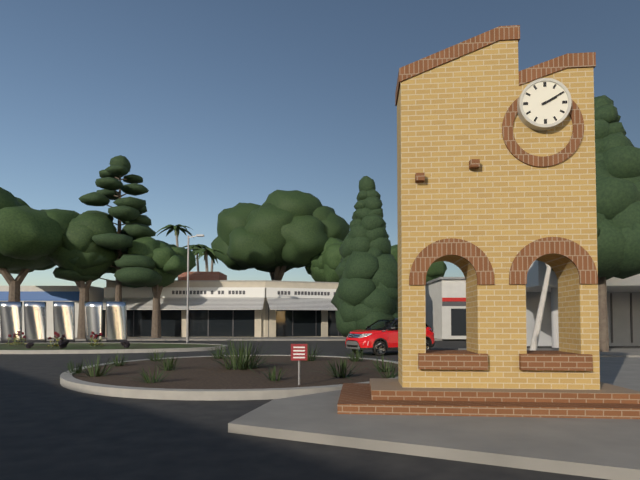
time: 2:10
